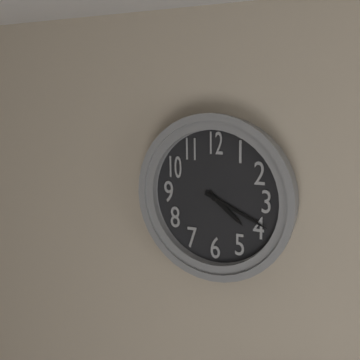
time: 4:19
